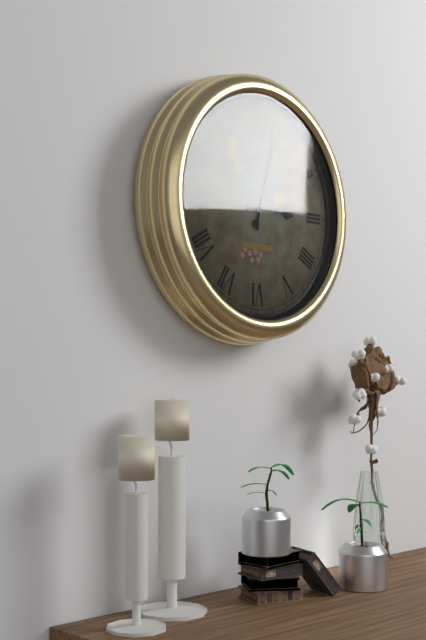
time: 3:03:02
